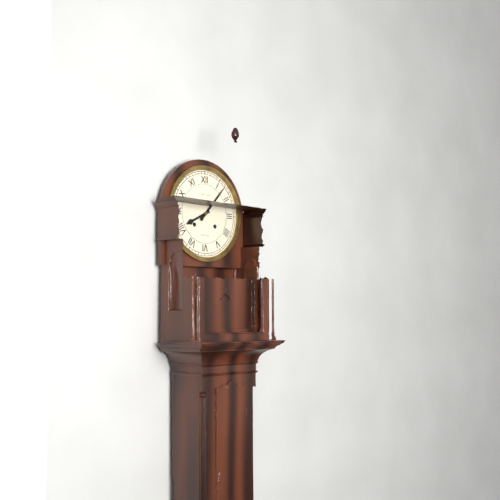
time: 8:07
